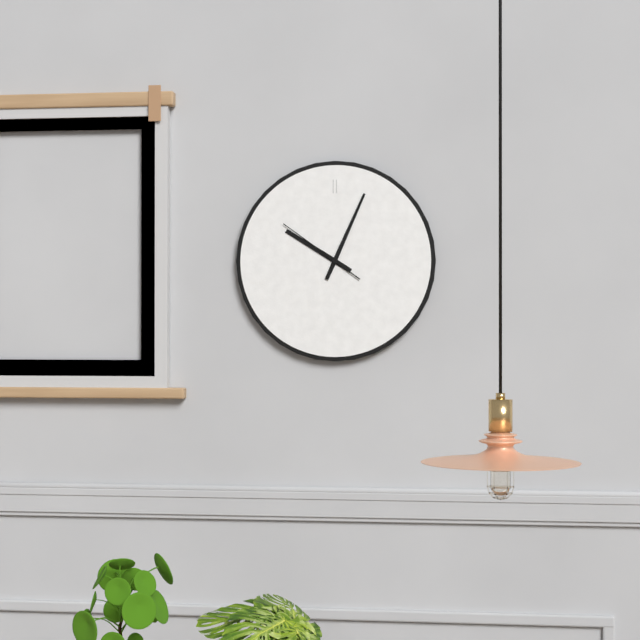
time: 10:04:51
